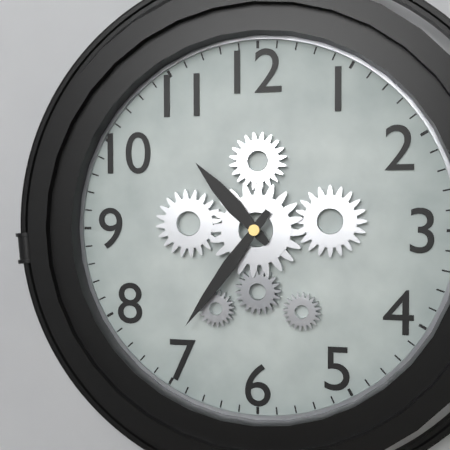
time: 10:36
